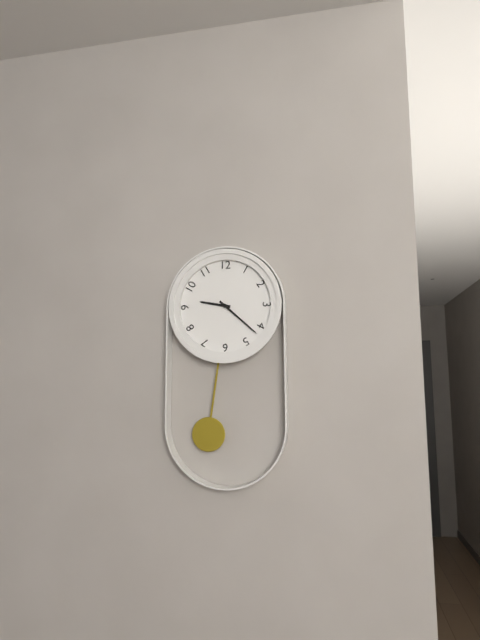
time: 9:22
